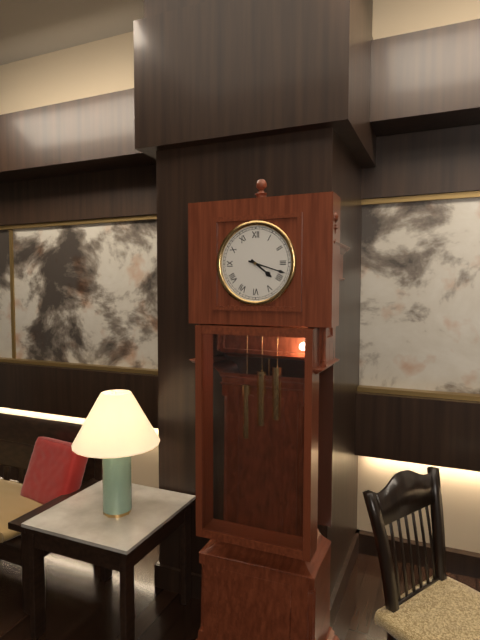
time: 4:18
